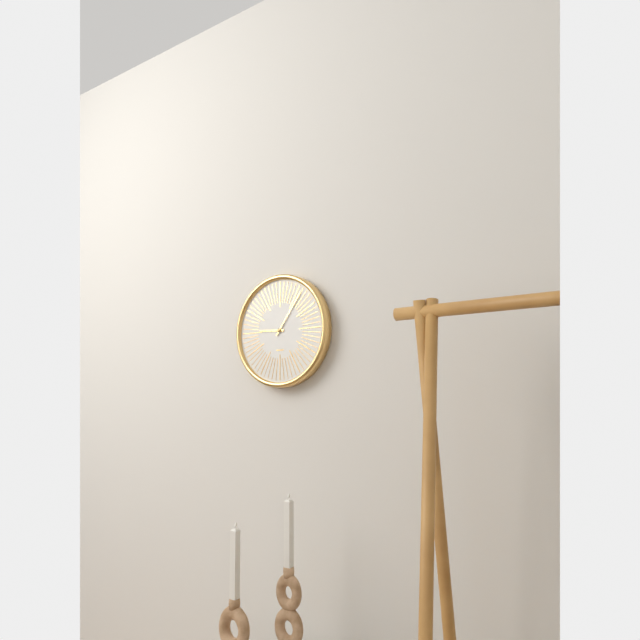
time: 9:06
